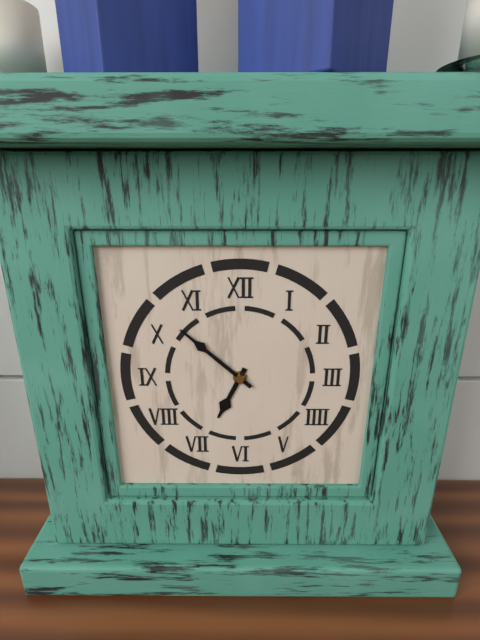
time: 6:52
